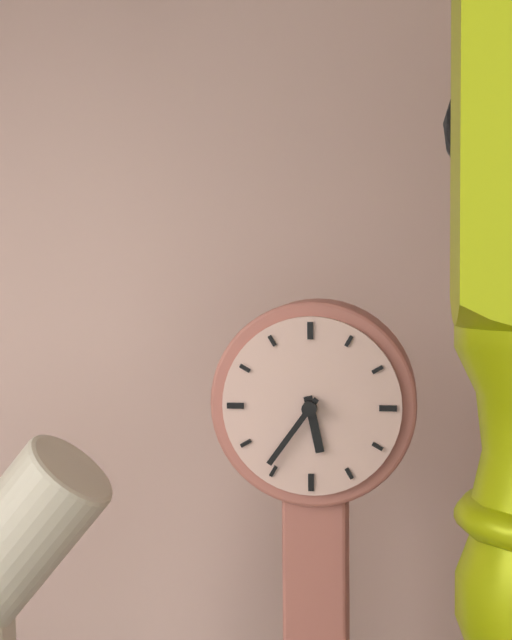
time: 5:36
